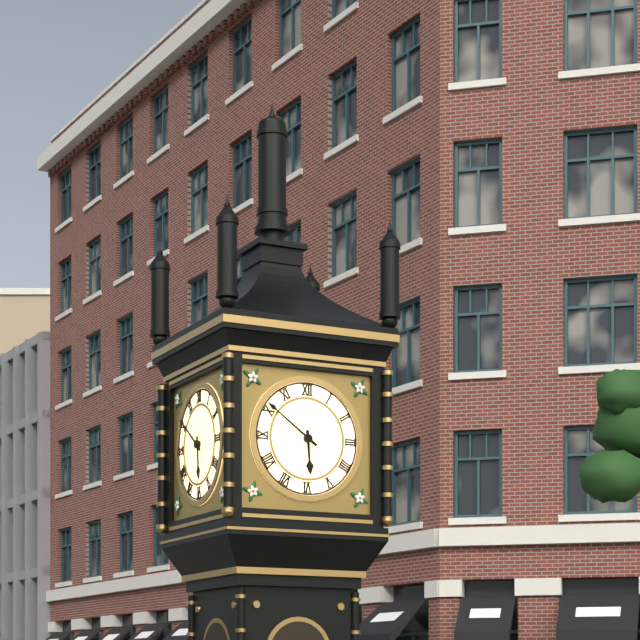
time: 5:51
